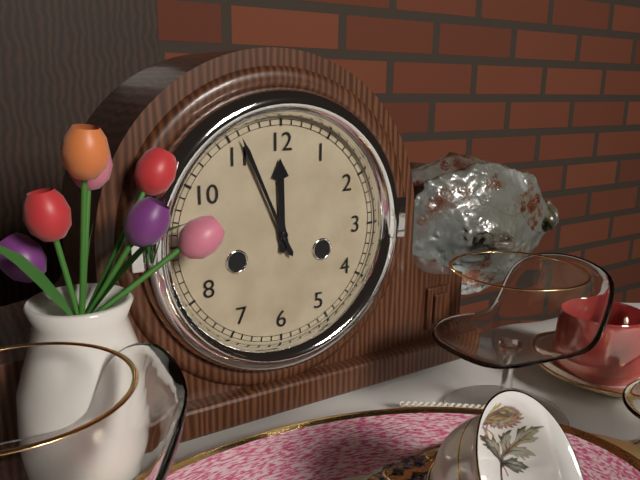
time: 11:56
